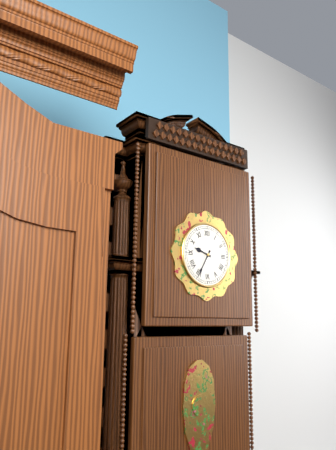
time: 9:35
